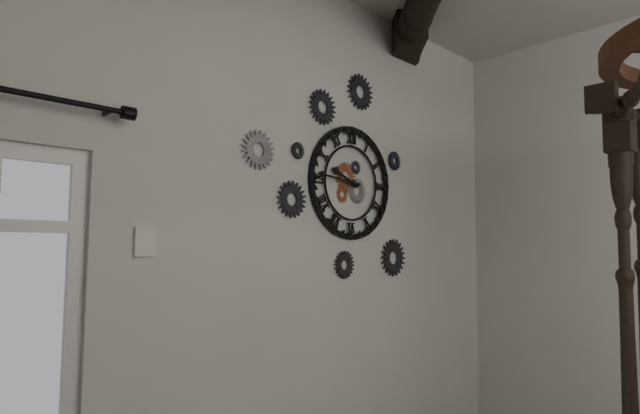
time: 9:46
